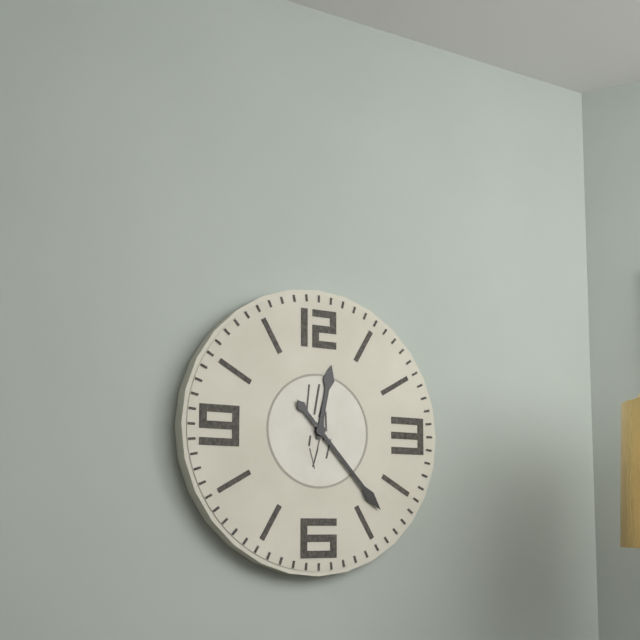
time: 12:23
